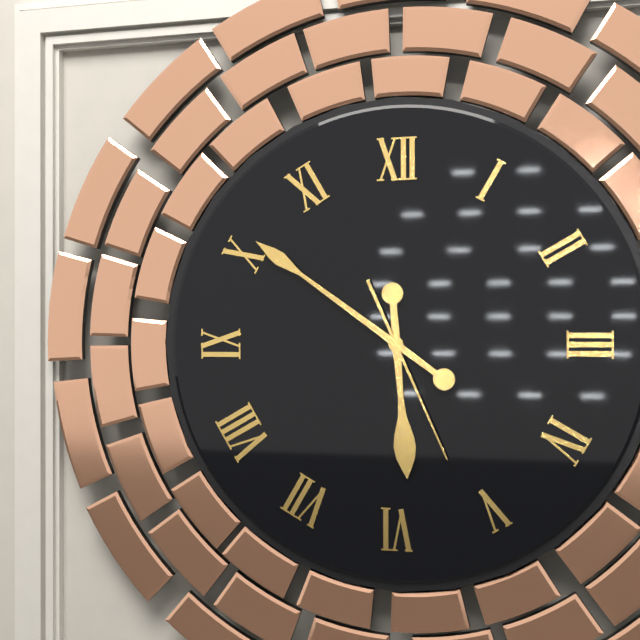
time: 5:51:26
